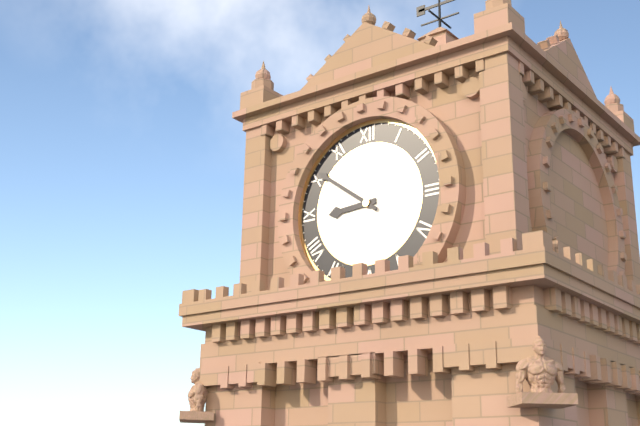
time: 8:51
